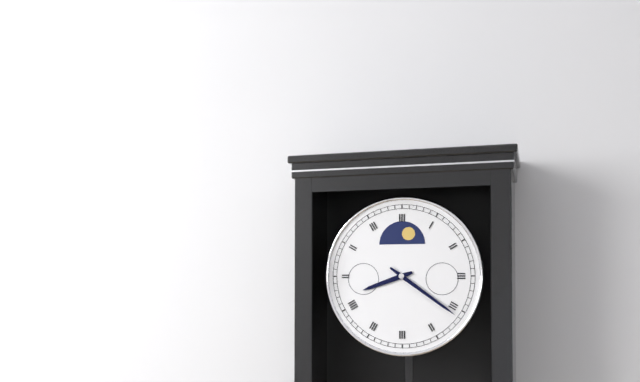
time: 8:21
